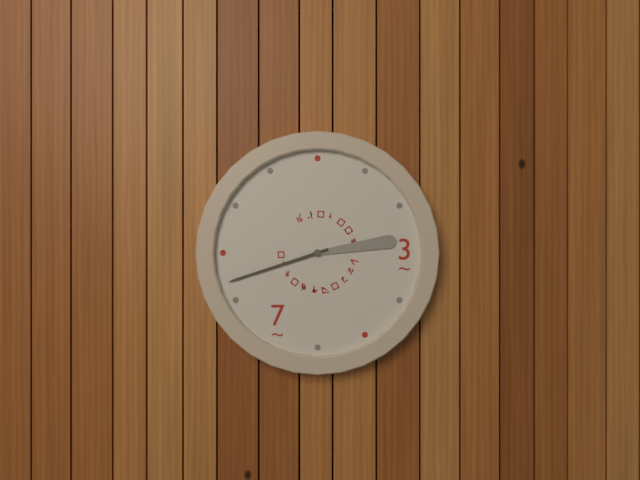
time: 2:42
